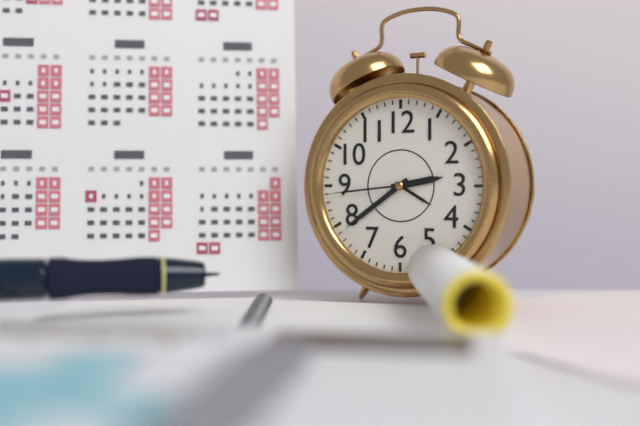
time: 2:39:44
